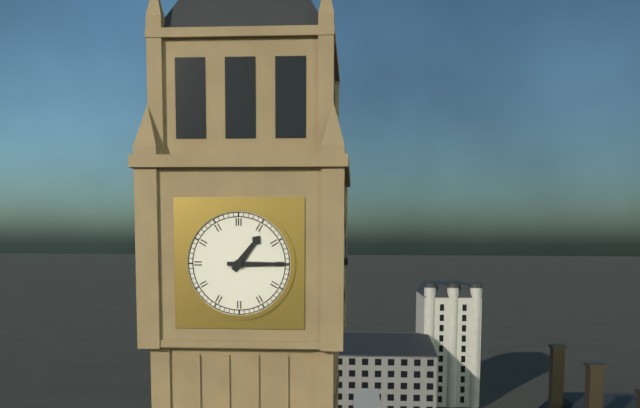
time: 1:15
